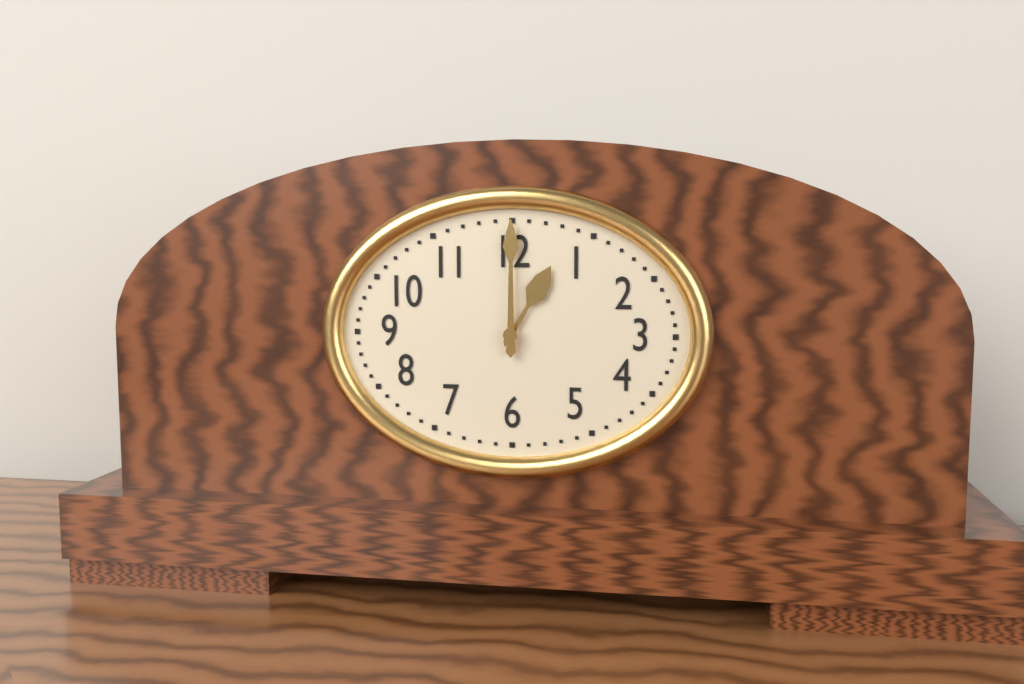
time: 1:00
